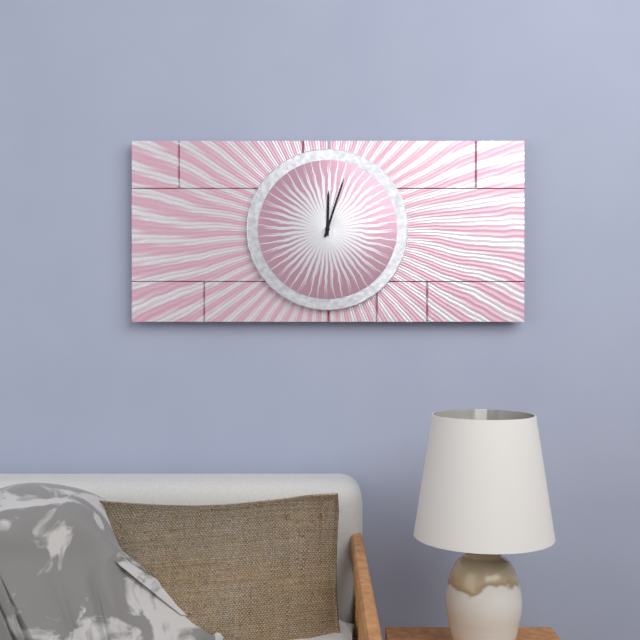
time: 12:03
